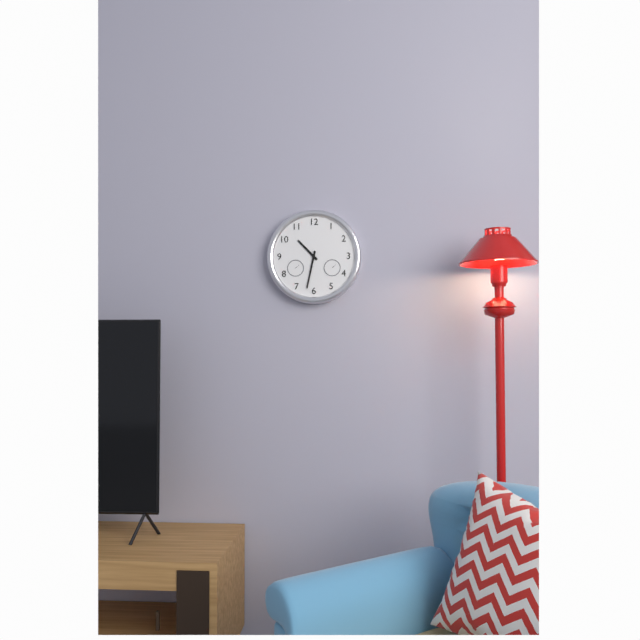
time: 10:32
